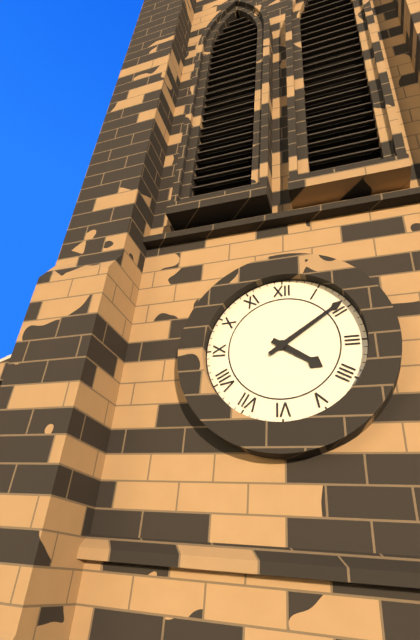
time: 4:09
